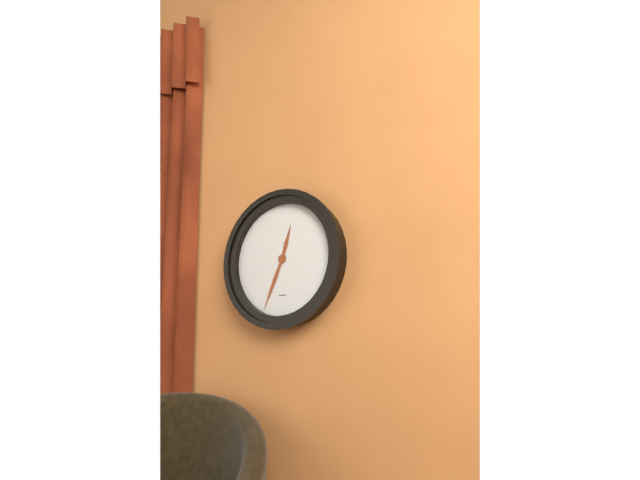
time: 12:34
